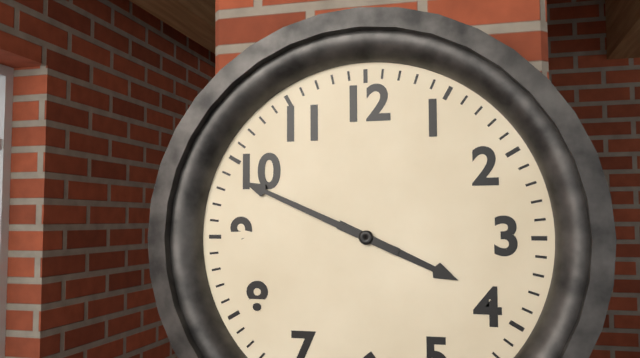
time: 3:49
